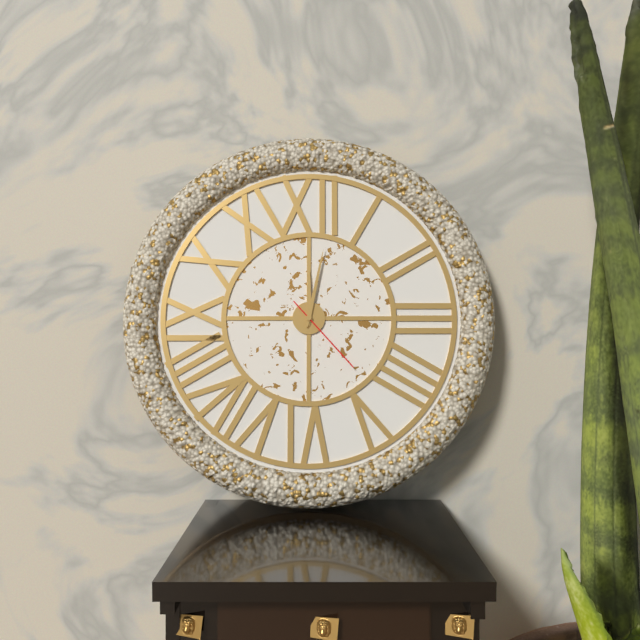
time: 12:02:23
